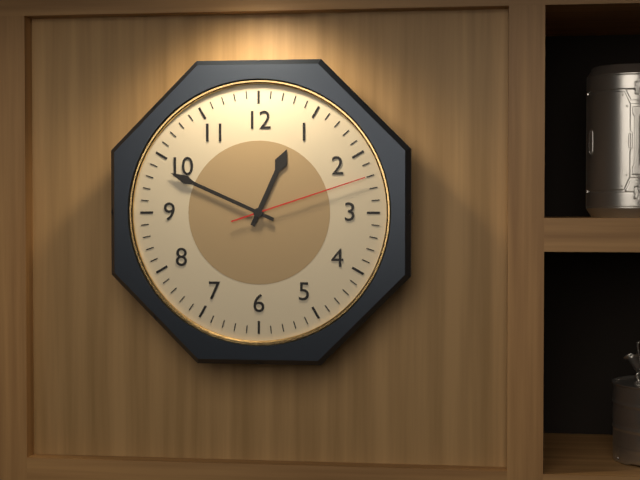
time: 12:49:12
